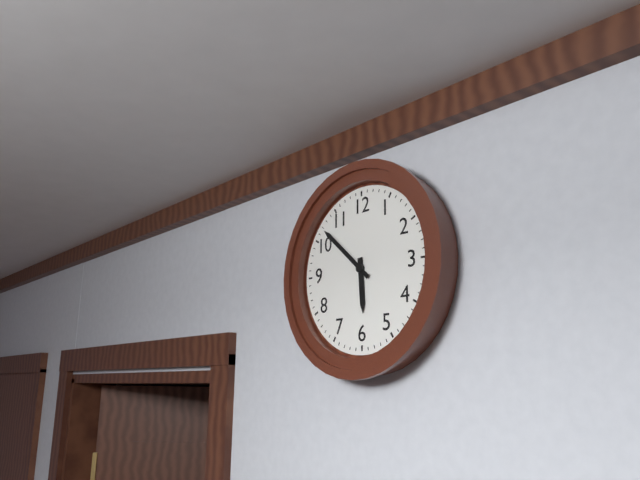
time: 5:52
